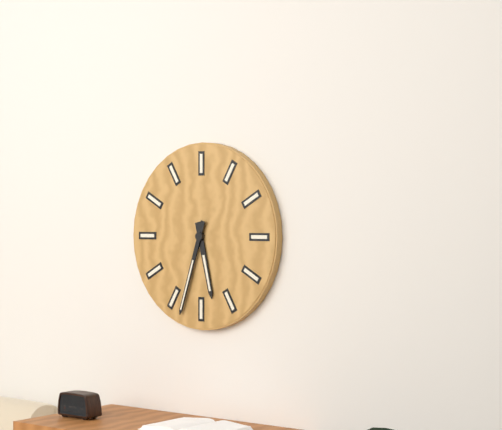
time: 5:33
